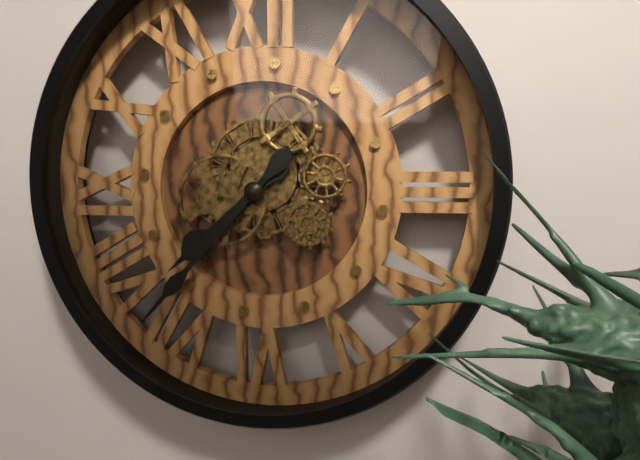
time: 7:37
